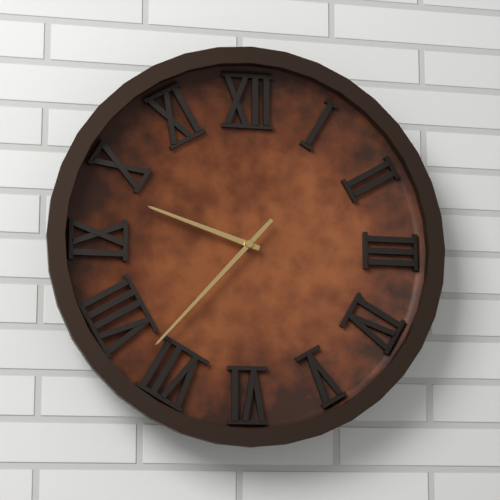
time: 9:37
